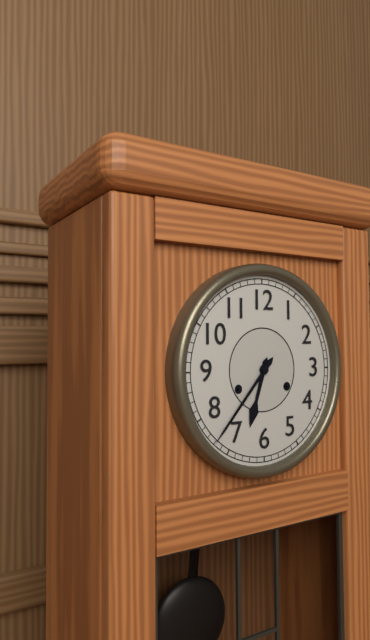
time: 6:37
